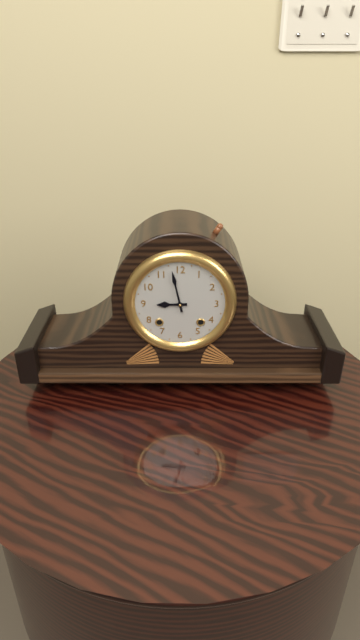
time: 8:58
